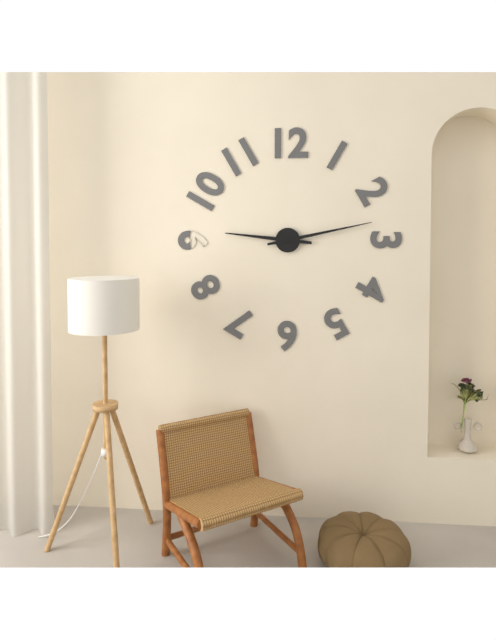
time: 9:13
